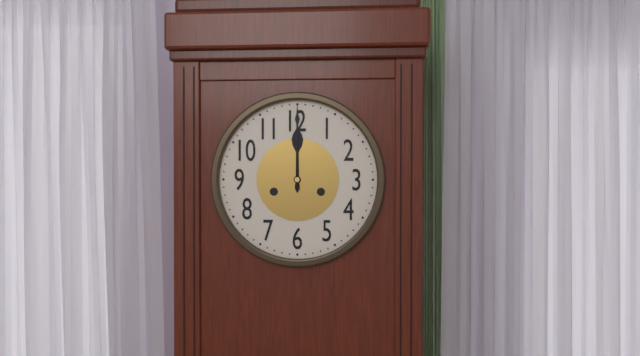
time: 12:00
